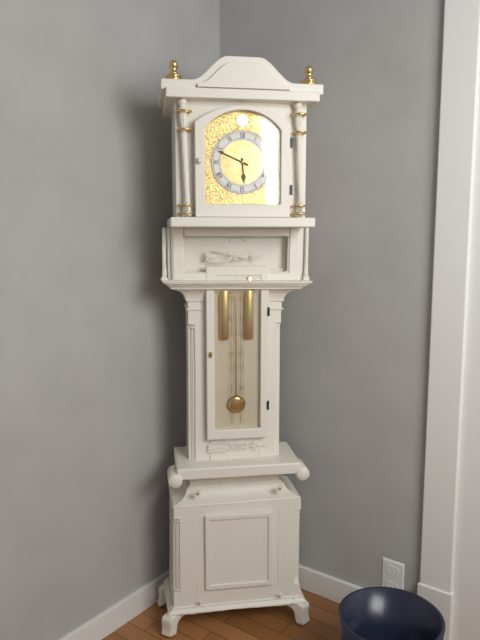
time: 5:49
